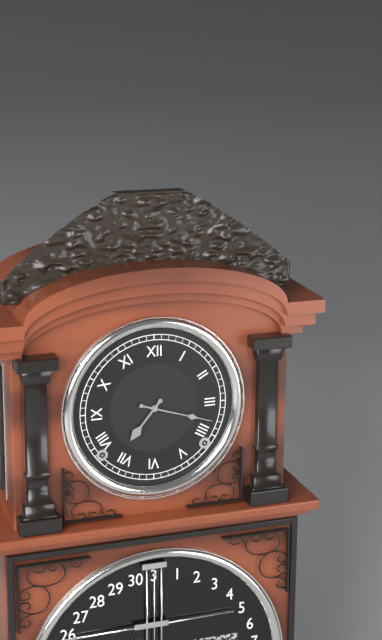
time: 7:18
